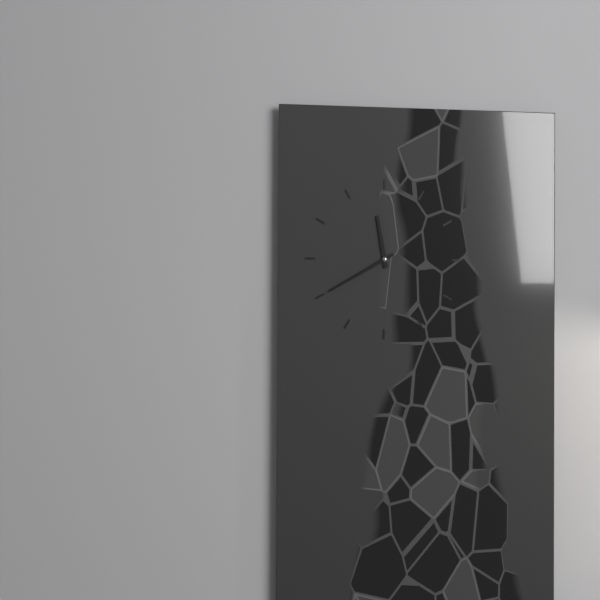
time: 11:40
